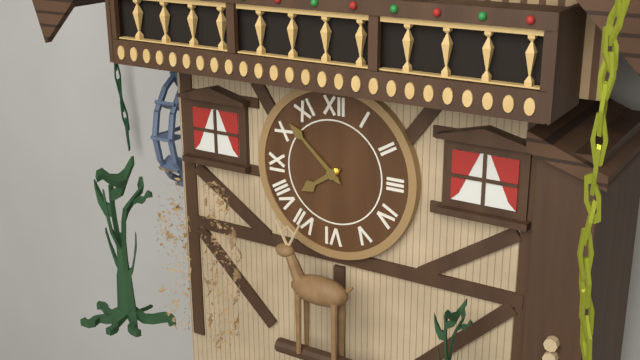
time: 7:52
